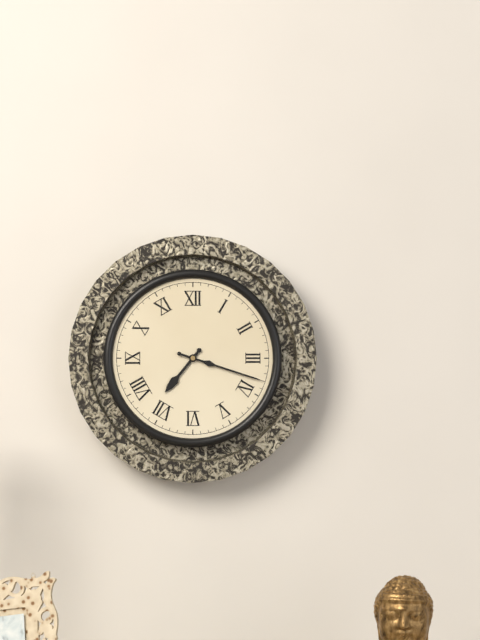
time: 7:18
